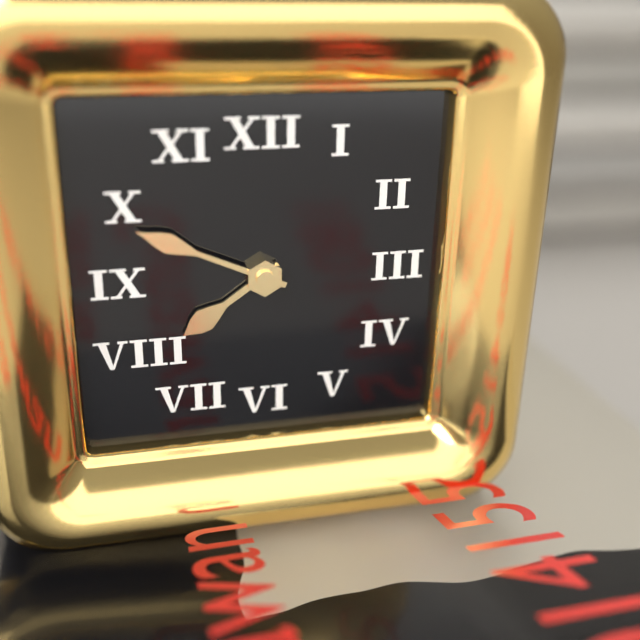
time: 7:49
